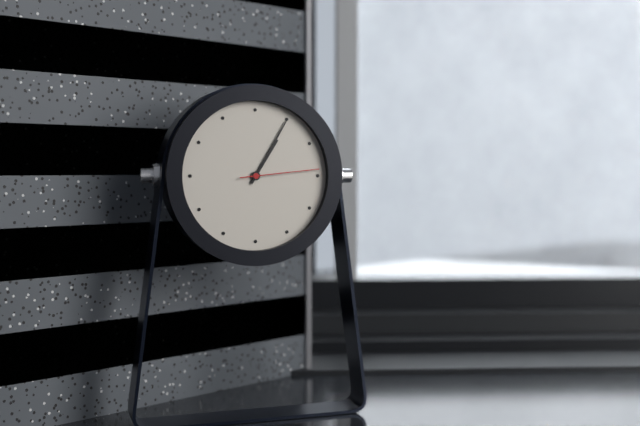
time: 1:05:14
